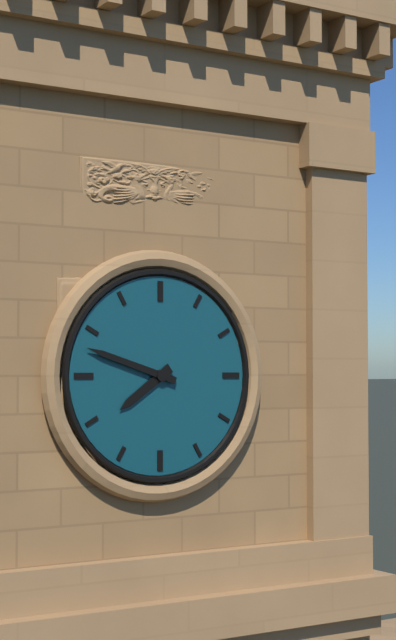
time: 7:48
